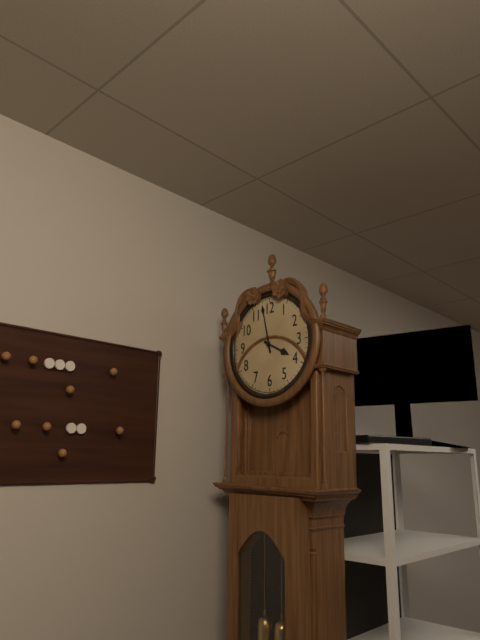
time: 3:58
